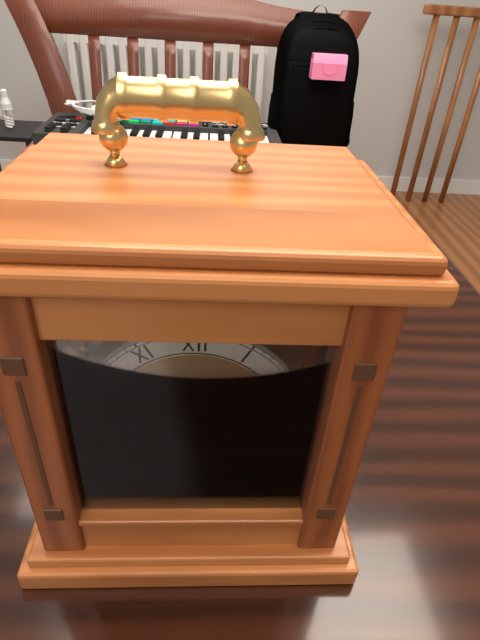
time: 12:37
